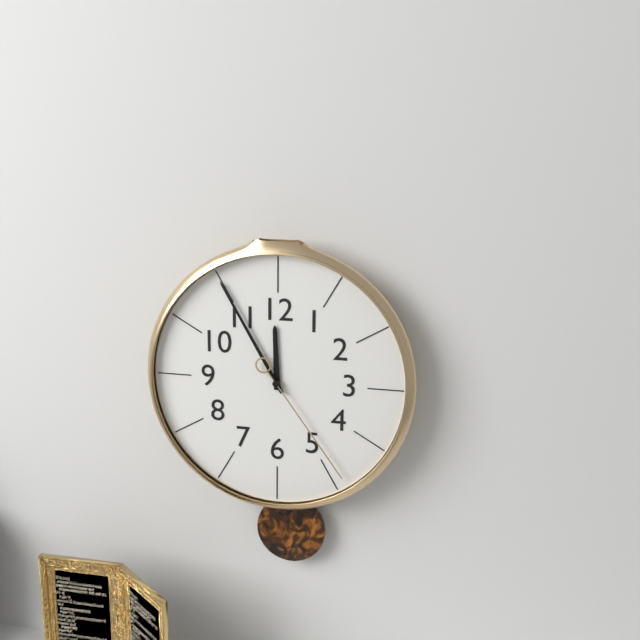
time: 11:55:24
